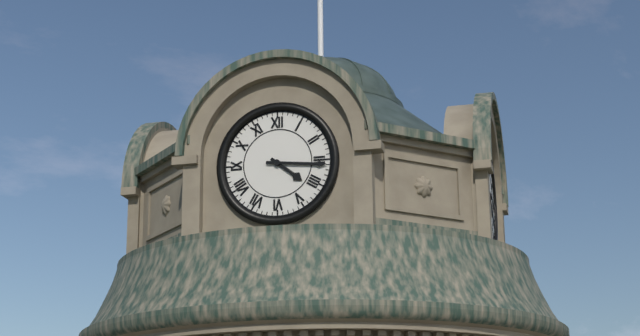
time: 4:16
